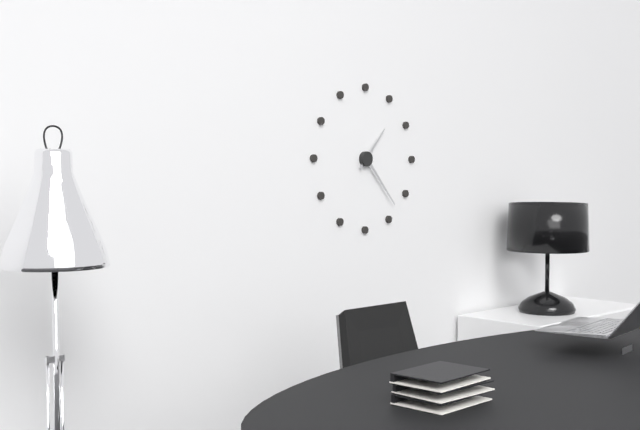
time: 1:23
